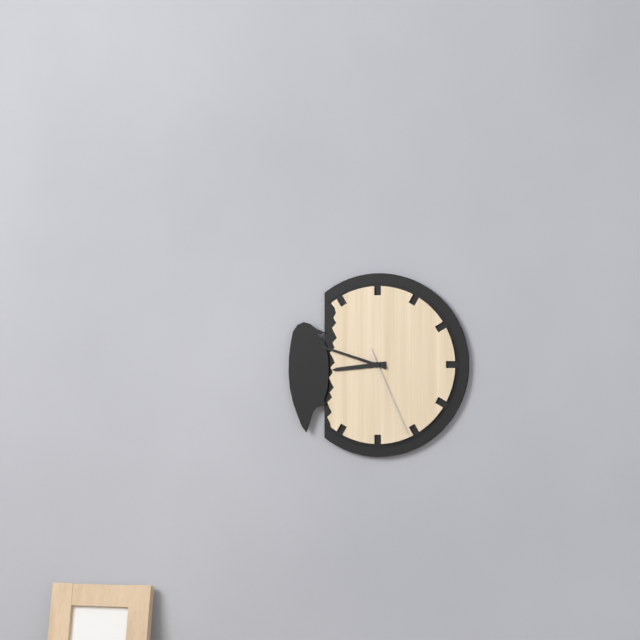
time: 8:48:26
